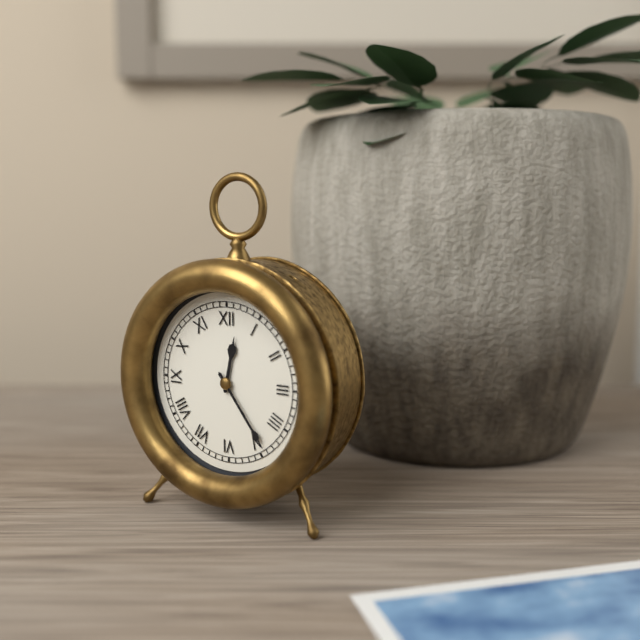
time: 12:24
